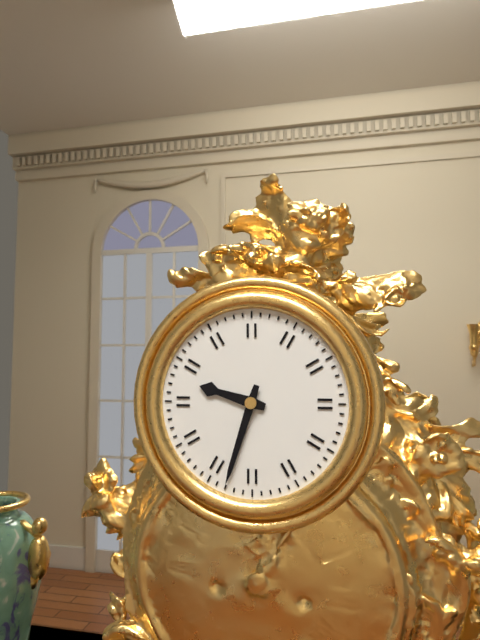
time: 9:33
